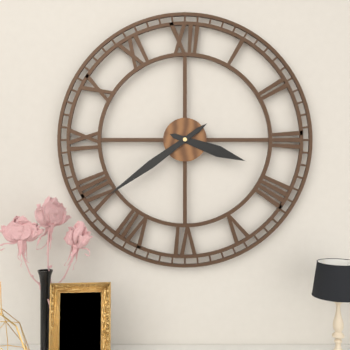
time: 3:39
